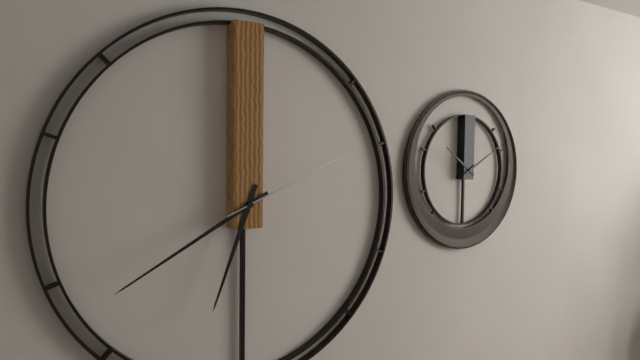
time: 6:40:11
